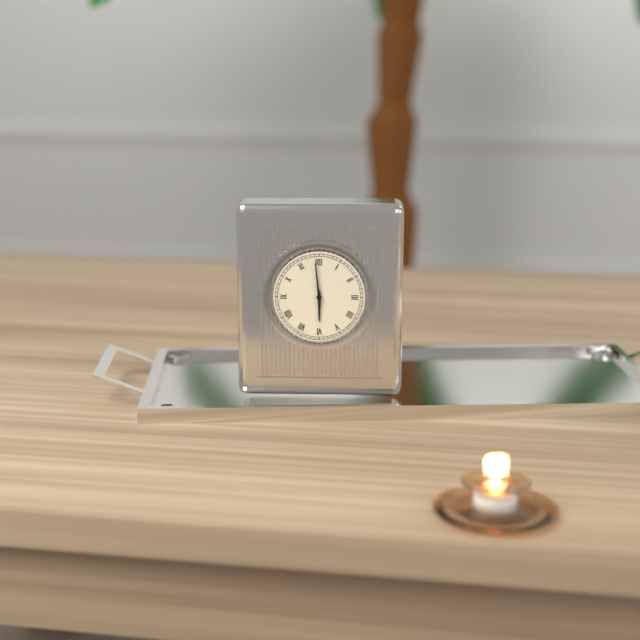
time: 5:59
